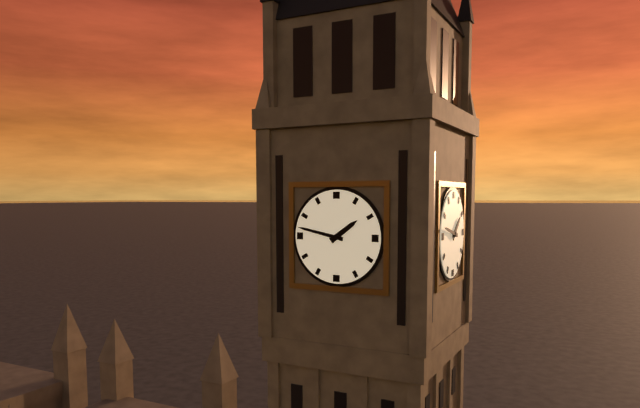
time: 1:47
